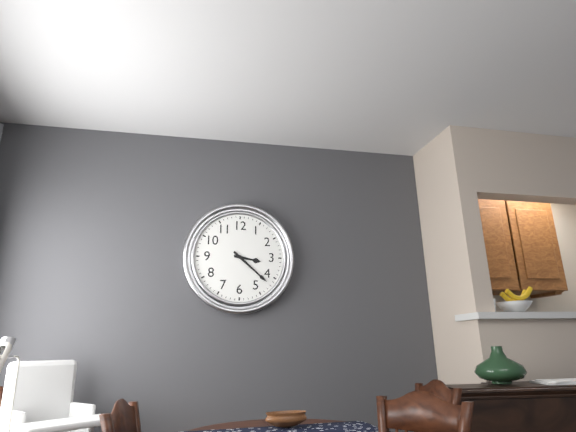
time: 3:22
